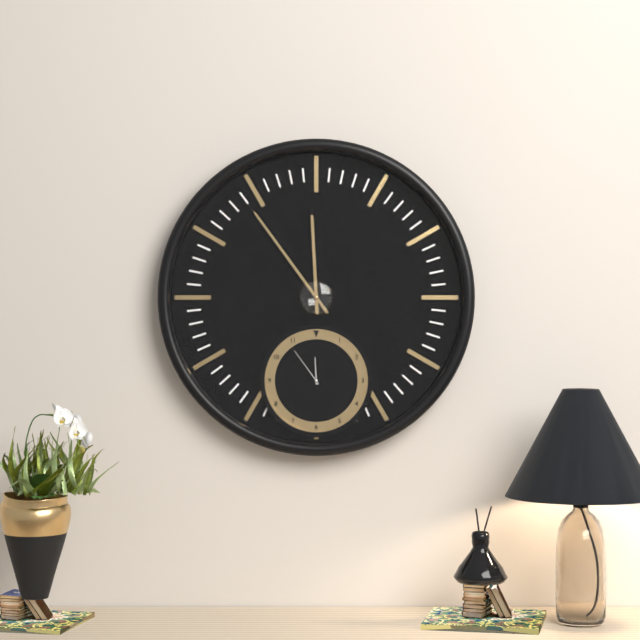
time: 11:54
